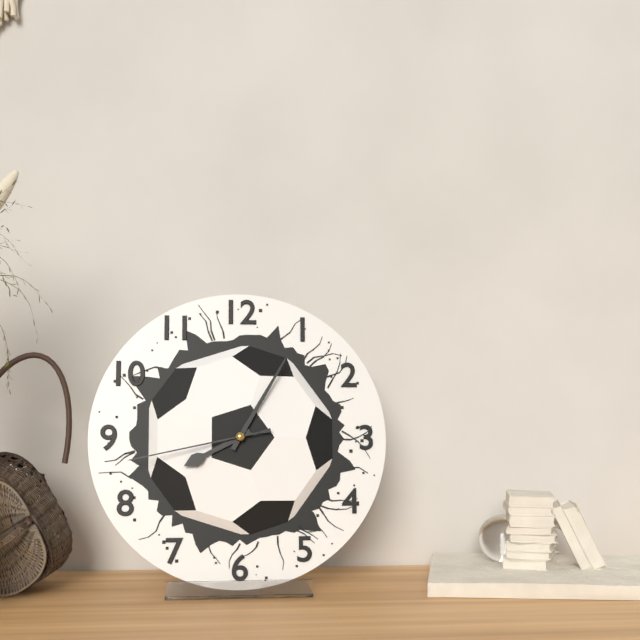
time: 8:05:43
